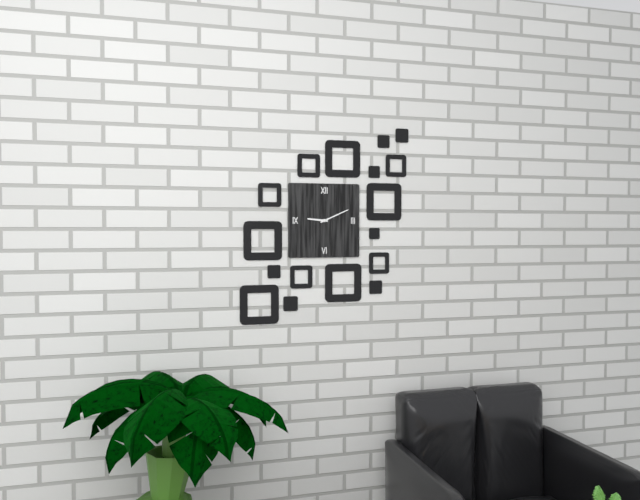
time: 9:11
